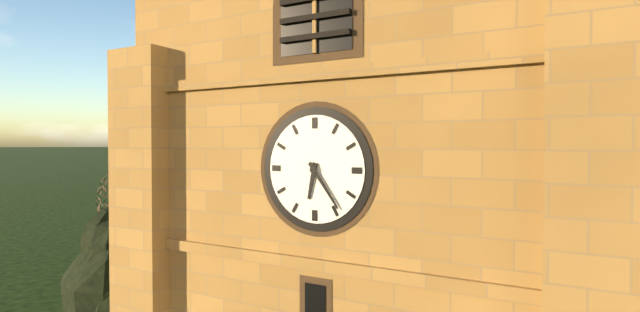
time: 6:24
